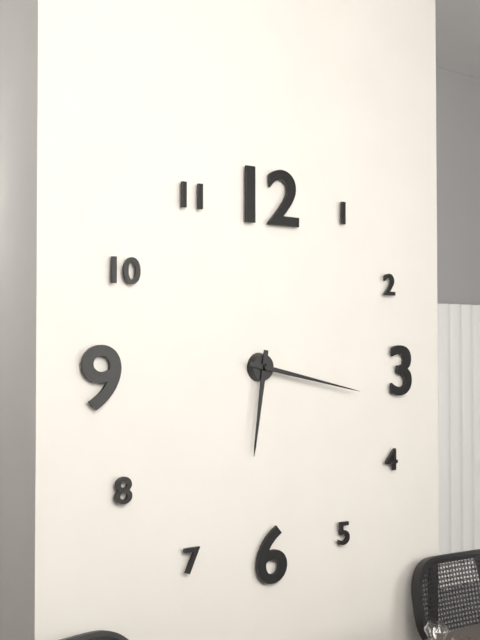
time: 6:17
